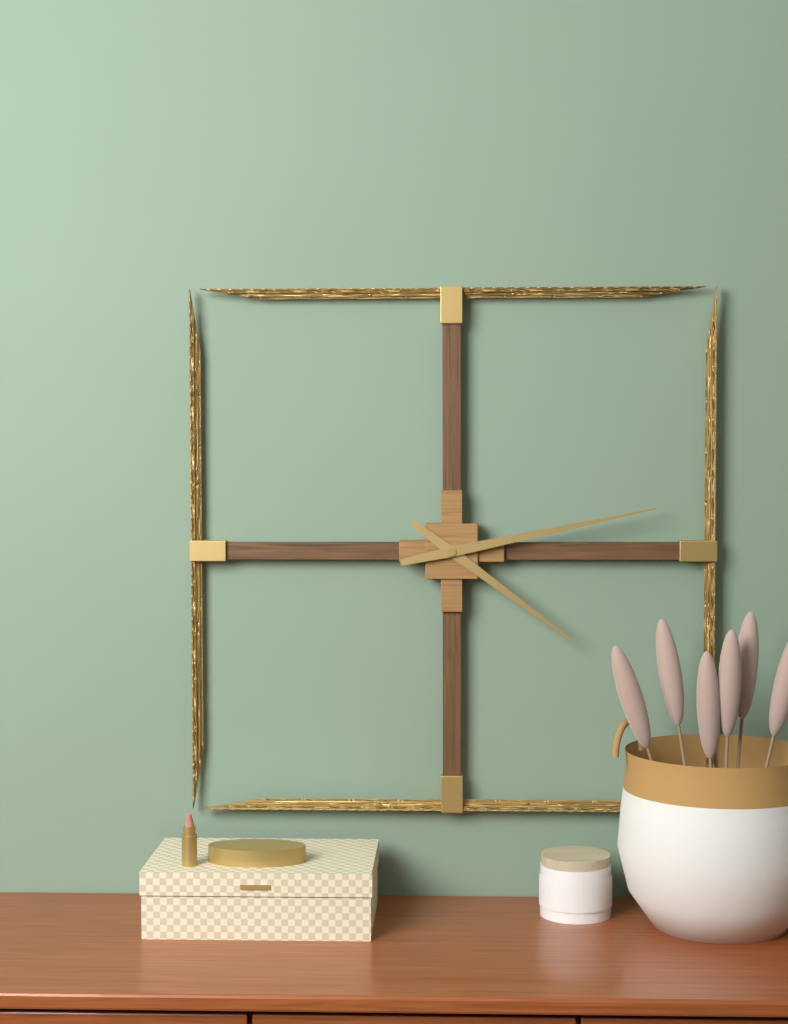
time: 4:13
